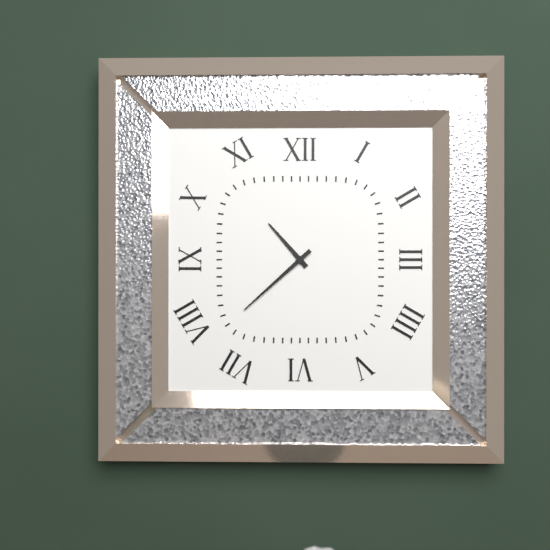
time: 10:38
